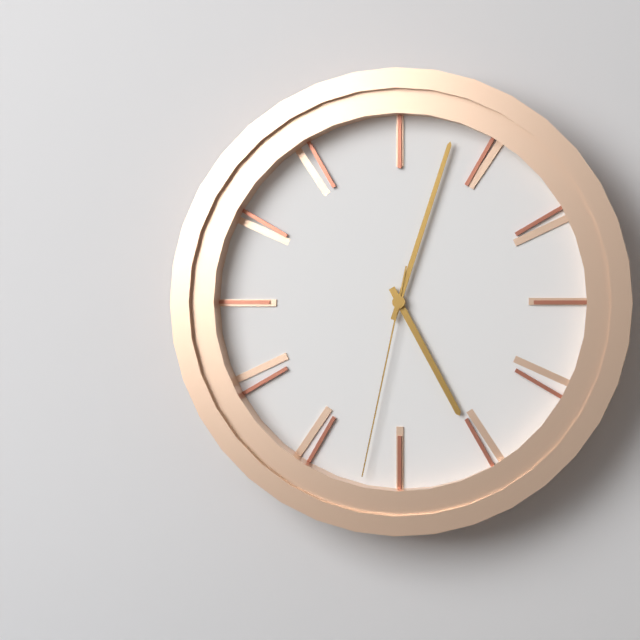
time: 5:03:32
